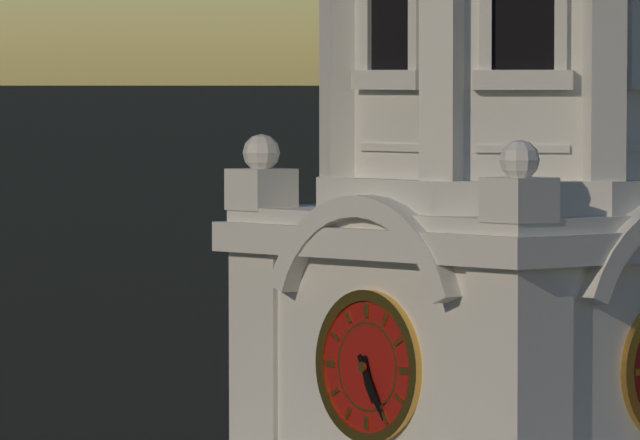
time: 5:25
